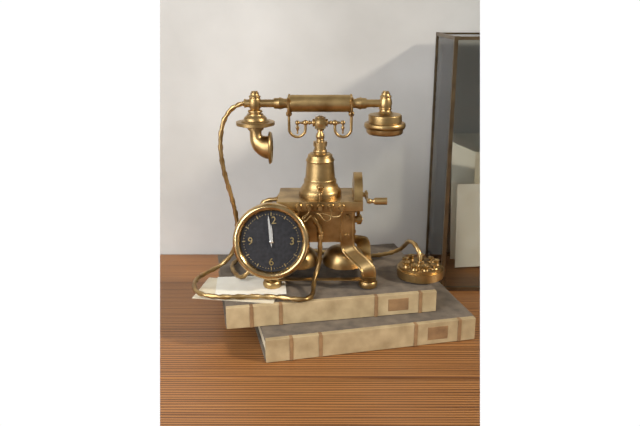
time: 11:59
